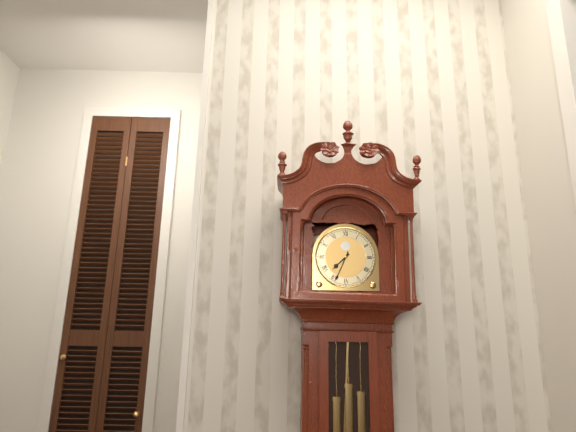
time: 7:34
